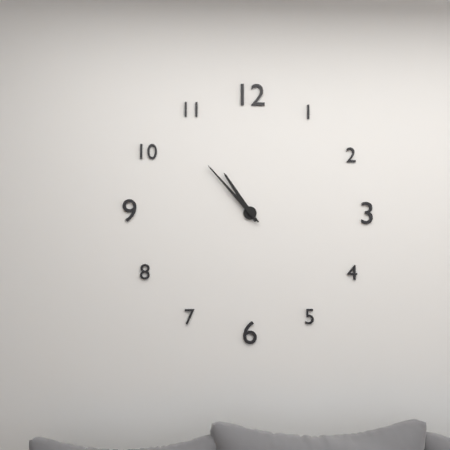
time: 10:53
